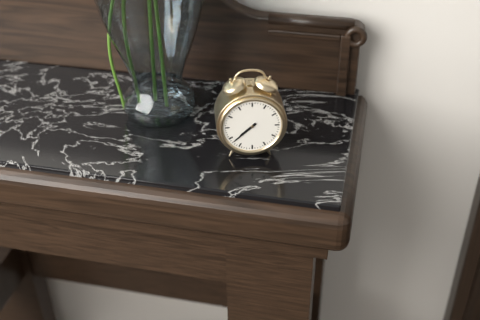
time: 7:38
